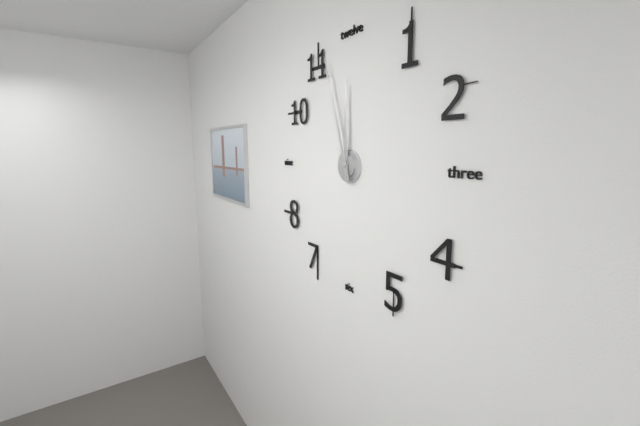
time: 11:57
